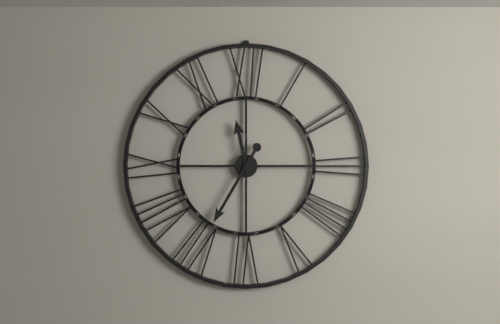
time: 11:35
